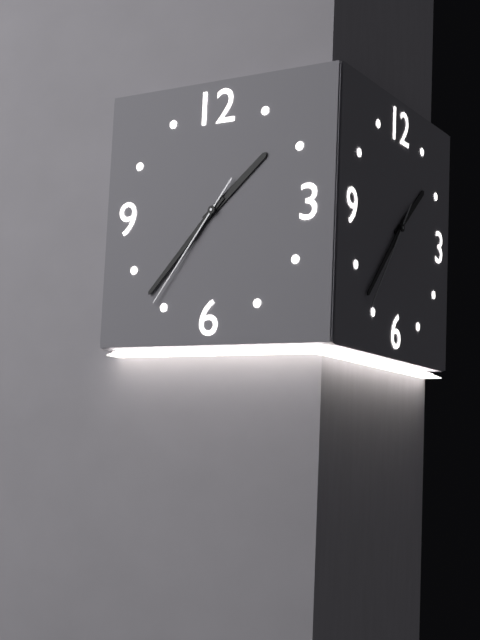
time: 1:37:36
